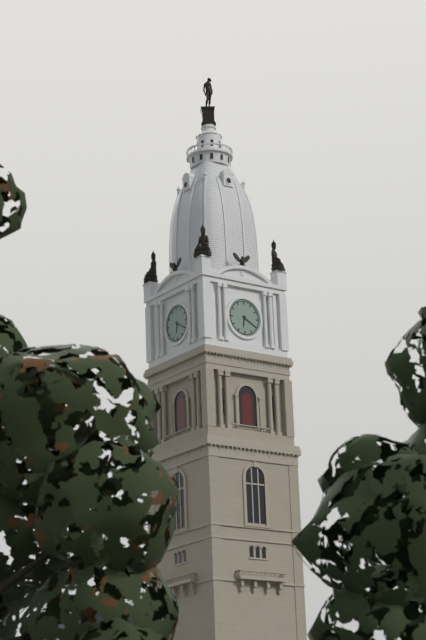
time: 6:20
